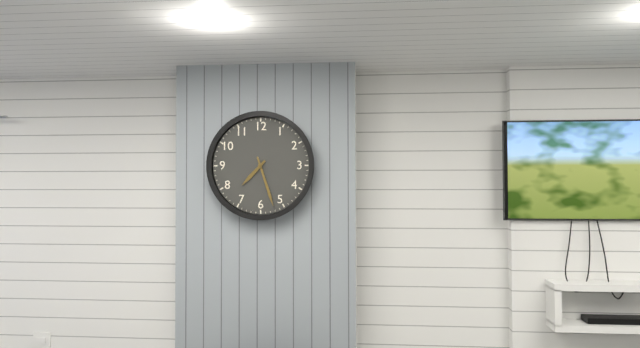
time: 7:27
